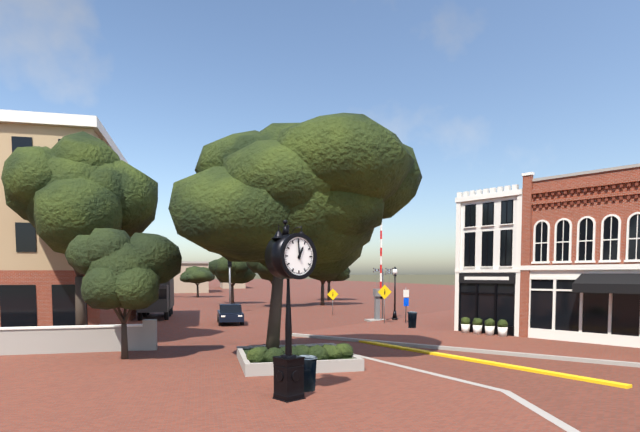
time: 12:59
